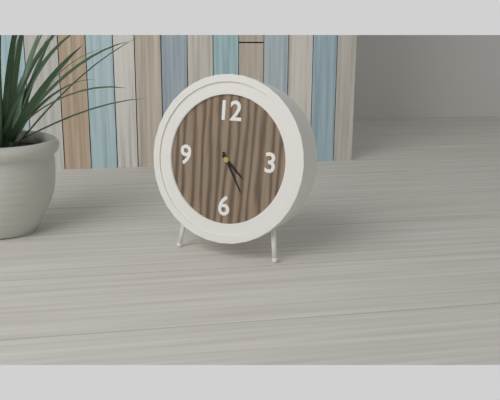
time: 4:25
